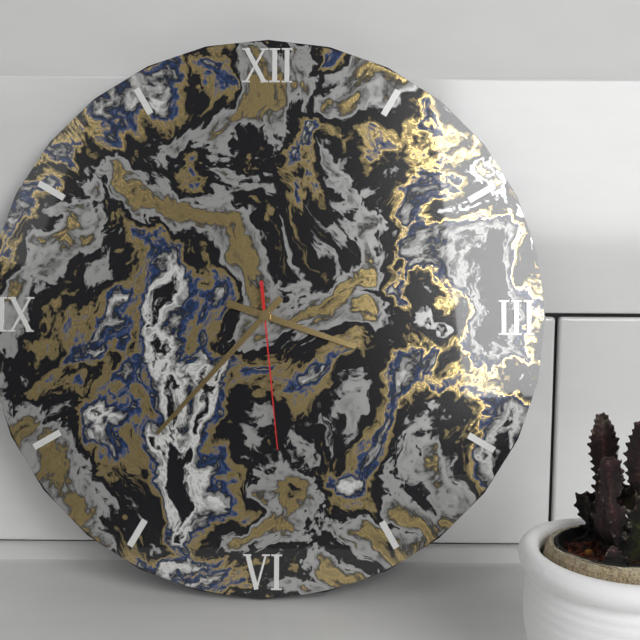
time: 3:37:29
